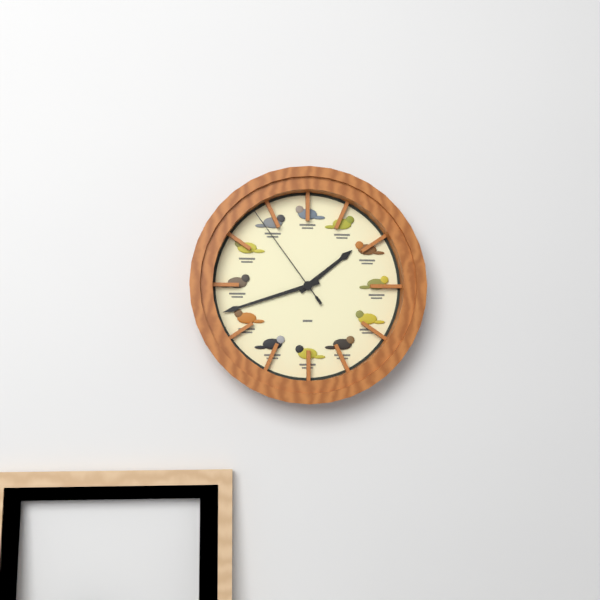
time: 1:42:54
